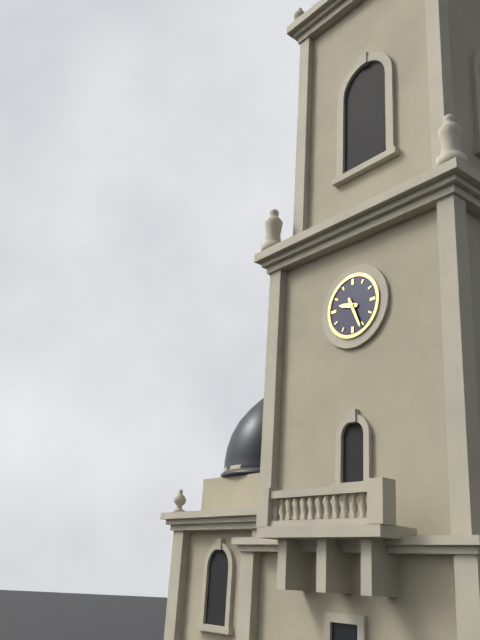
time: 9:26
